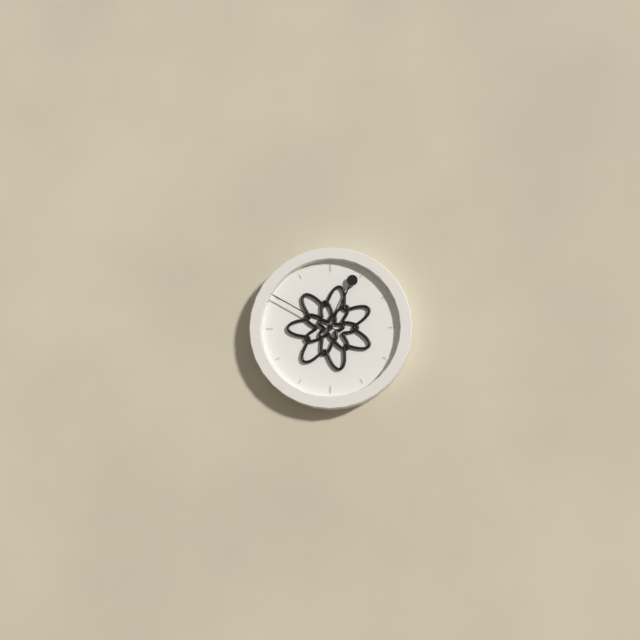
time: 12:50
